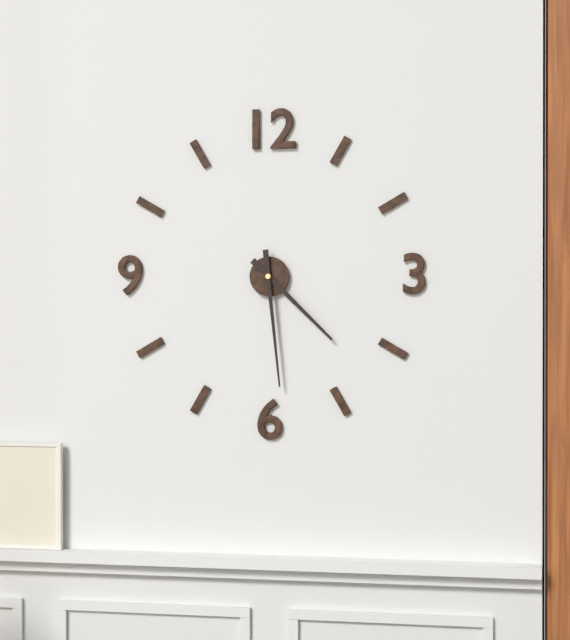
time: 4:29
